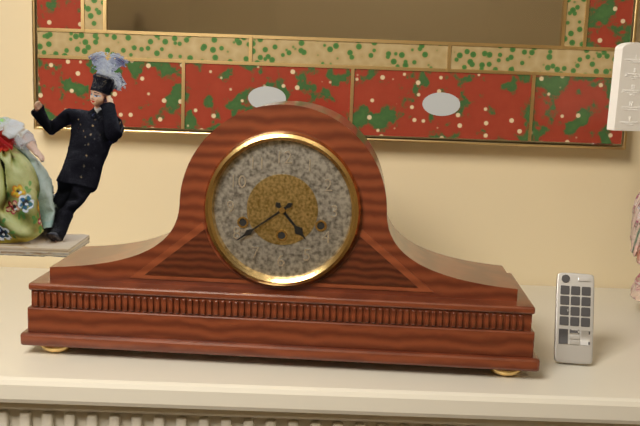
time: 4:39
